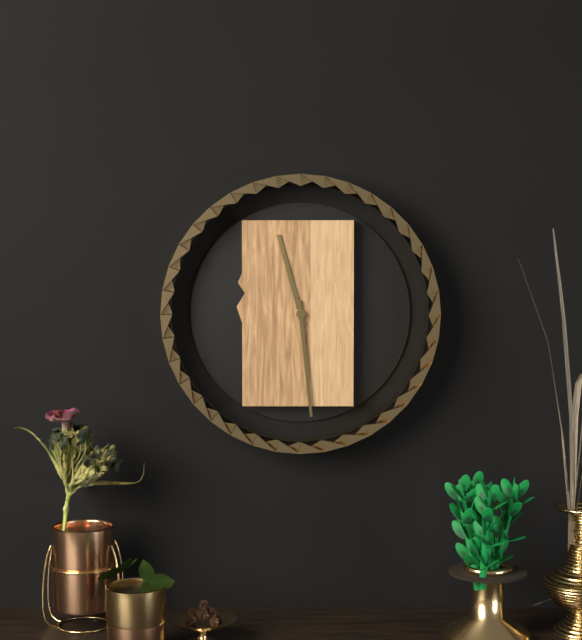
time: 11:29
